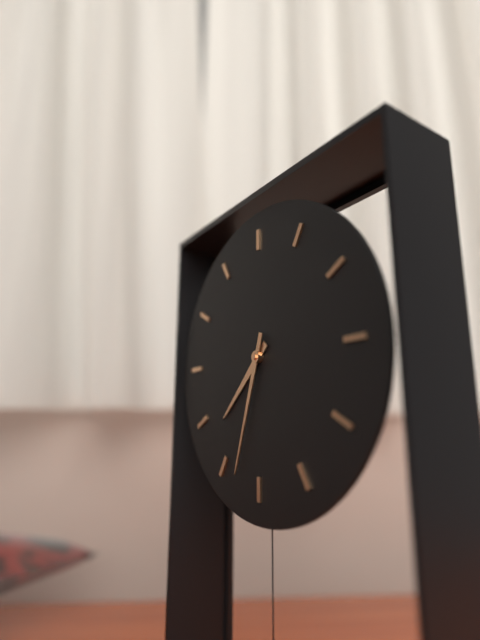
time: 7:33
